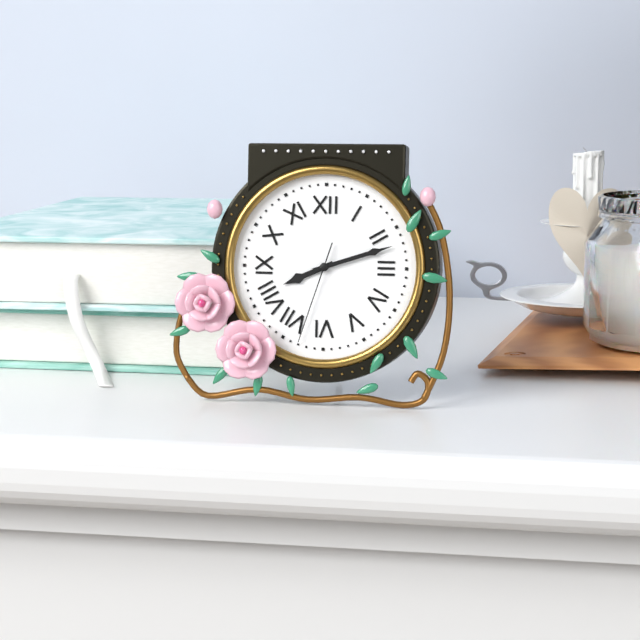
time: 8:12:33
